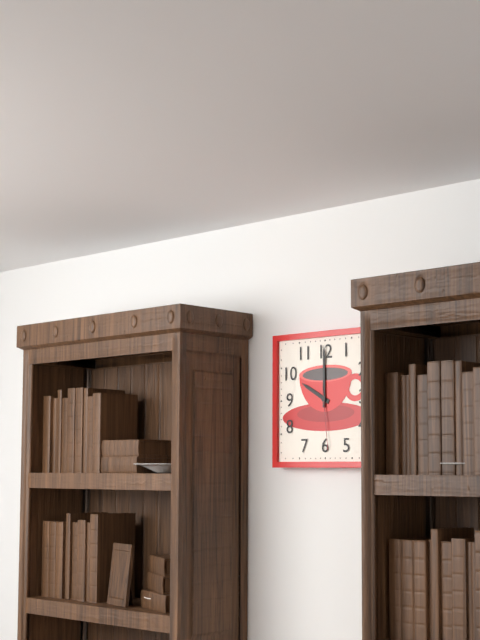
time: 10:00:29
